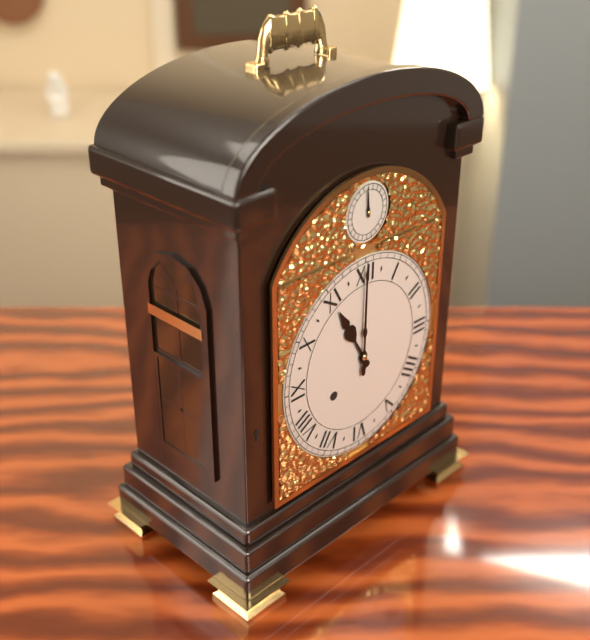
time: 11:00
